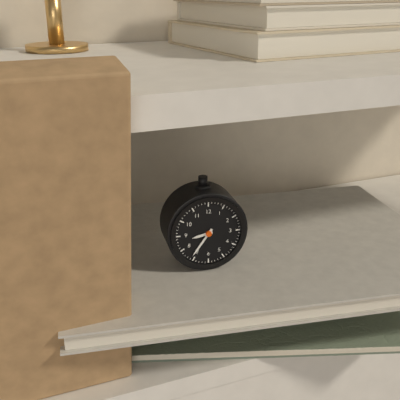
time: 8:36
